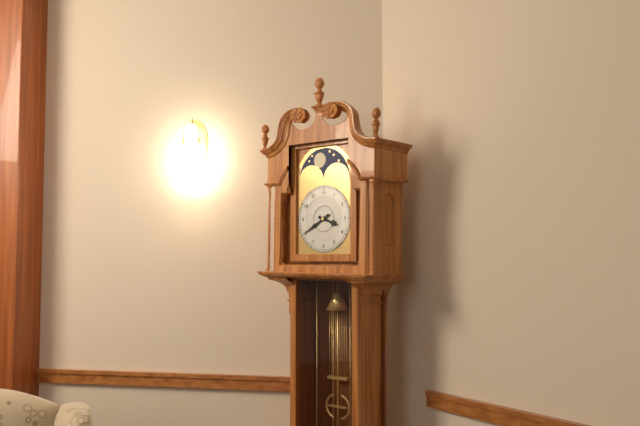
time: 3:40
